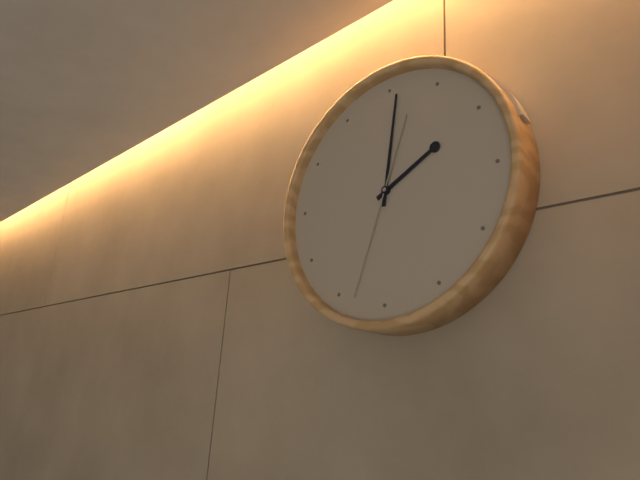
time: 2:01:33
